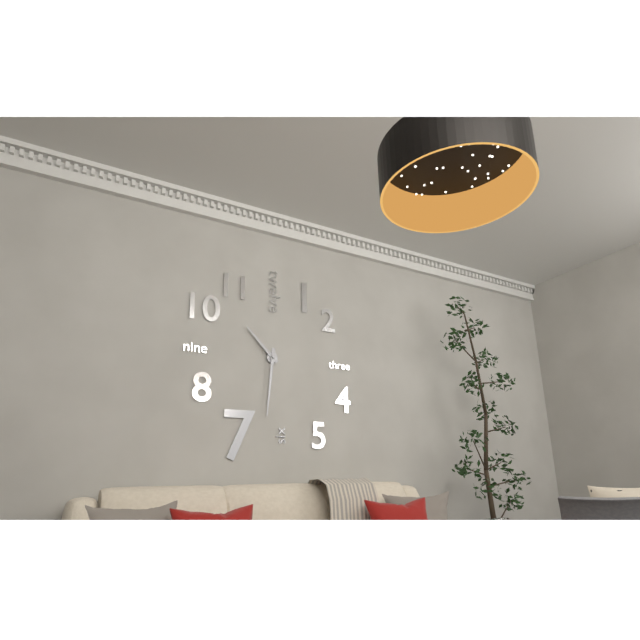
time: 10:31
